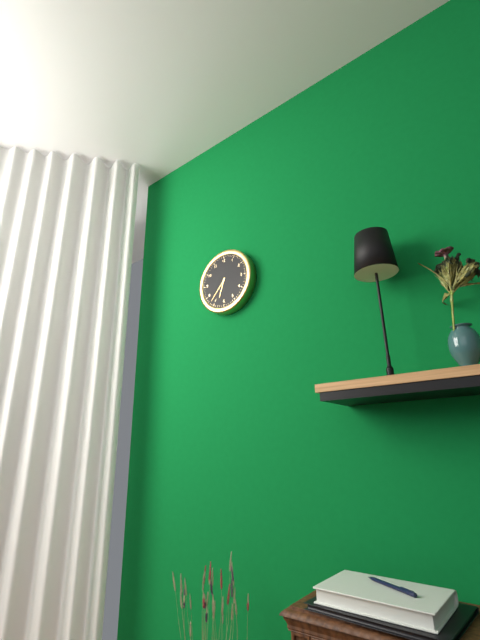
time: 6:37
